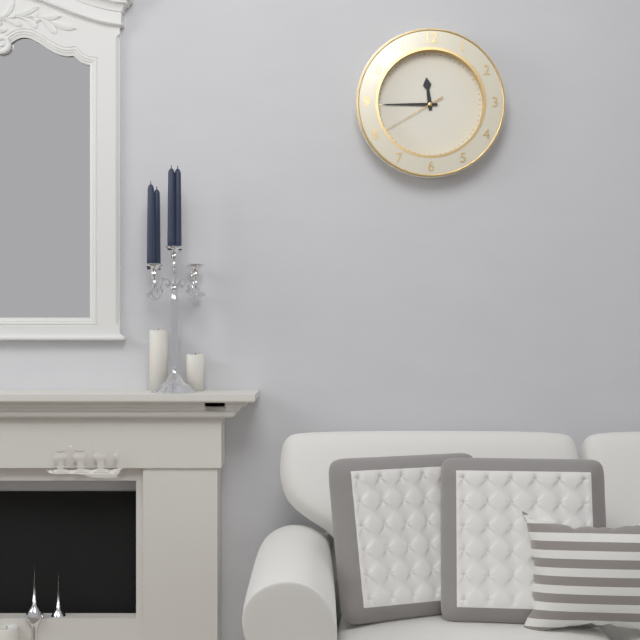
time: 11:45:40
